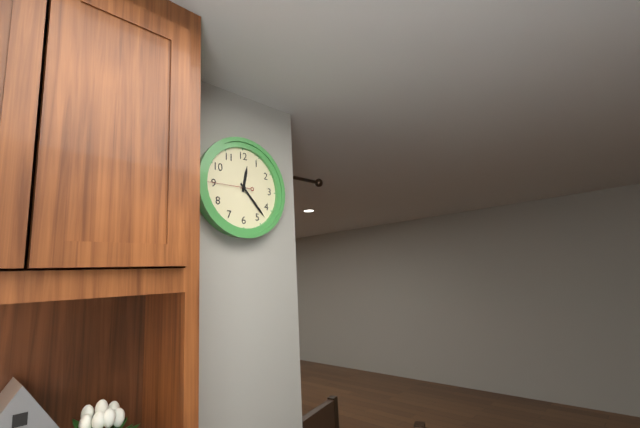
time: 12:23
